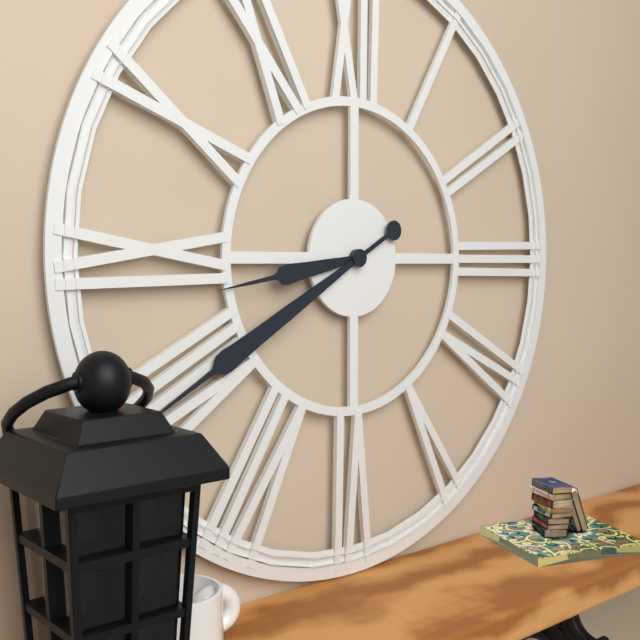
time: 8:40
